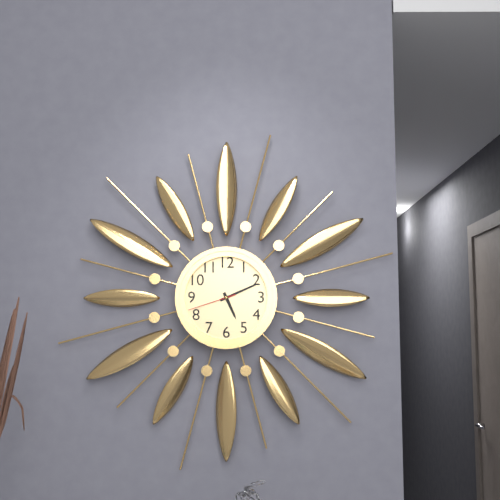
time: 5:11:42
